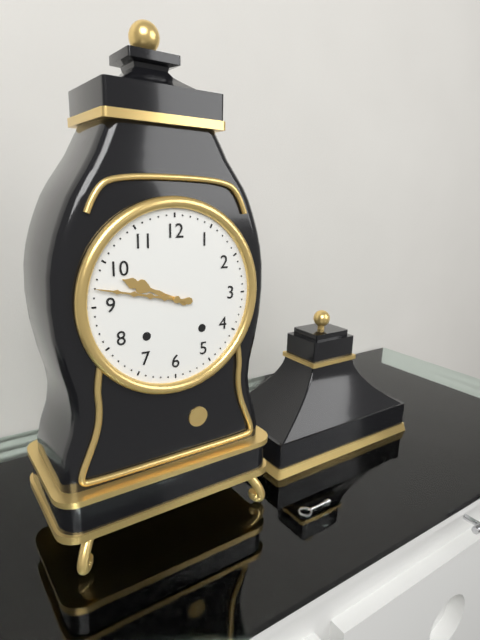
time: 9:47
